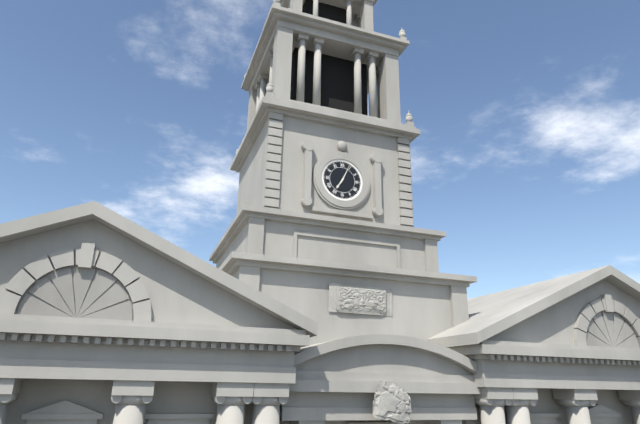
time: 7:04
